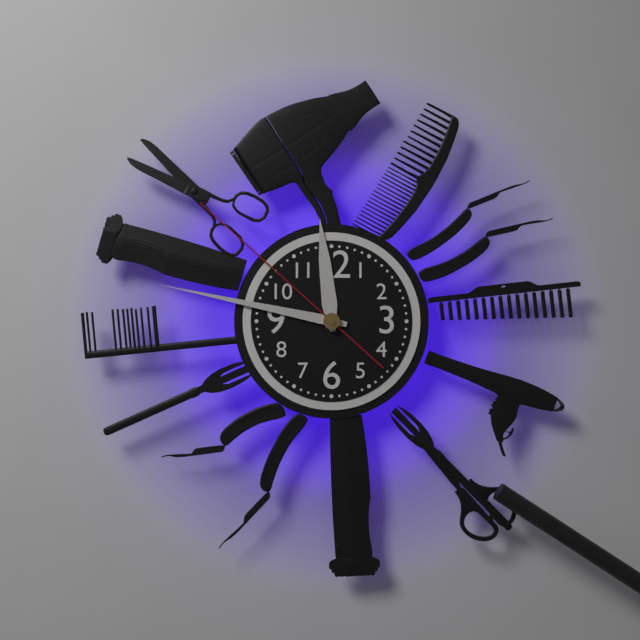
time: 11:47:52
